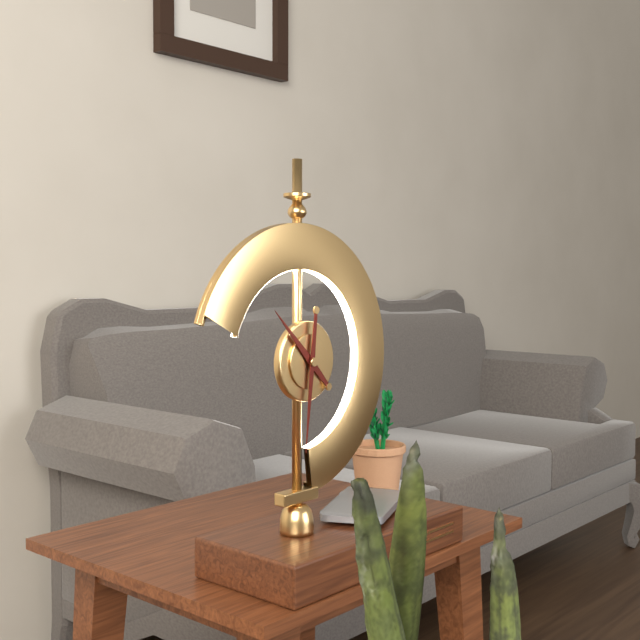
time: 10:31
